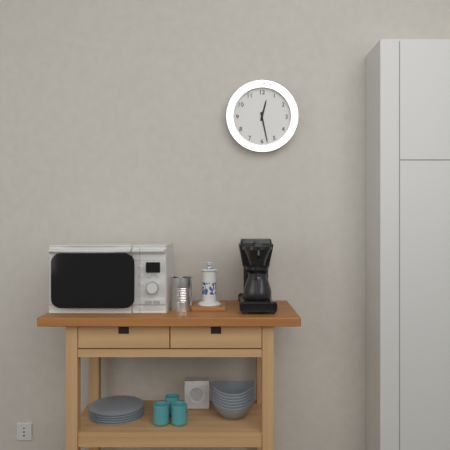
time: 12:28
